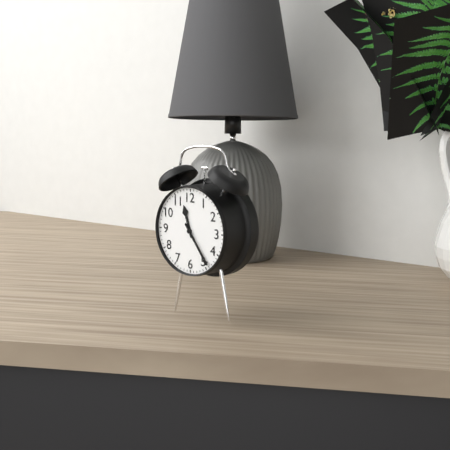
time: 11:24
